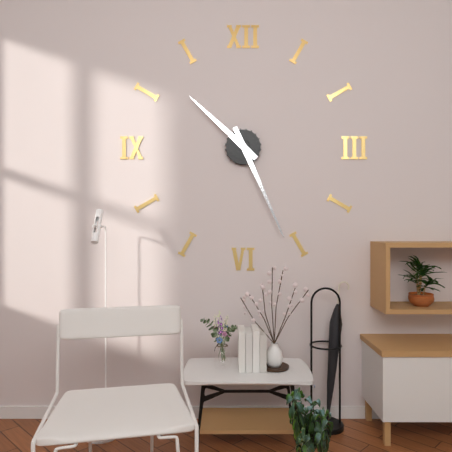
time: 10:26
